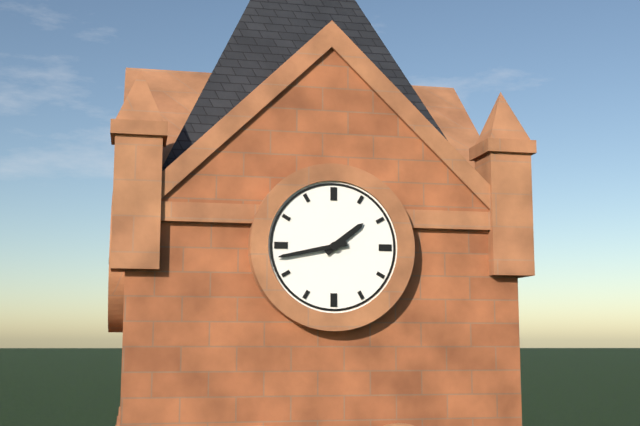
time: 1:43
